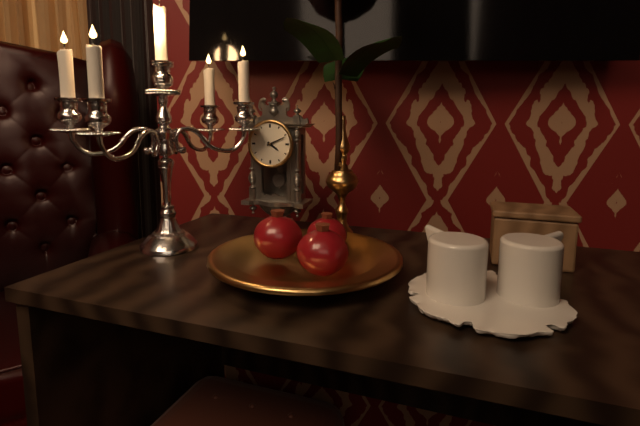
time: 4:11
